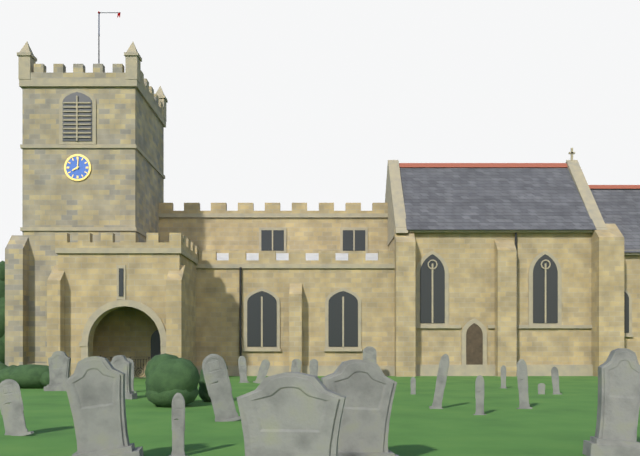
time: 8:01
